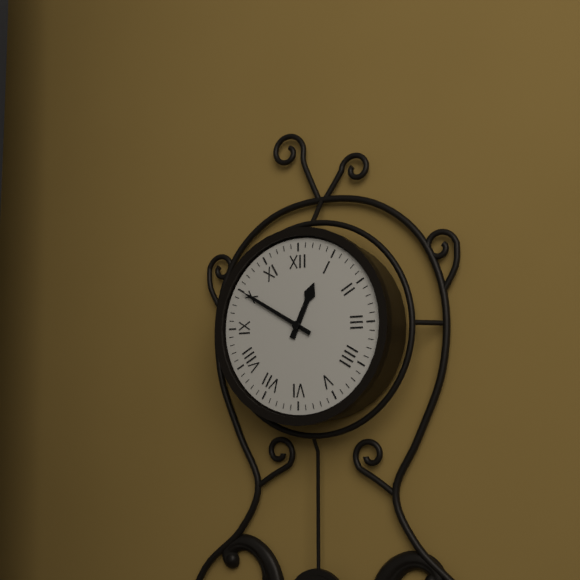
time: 12:50
